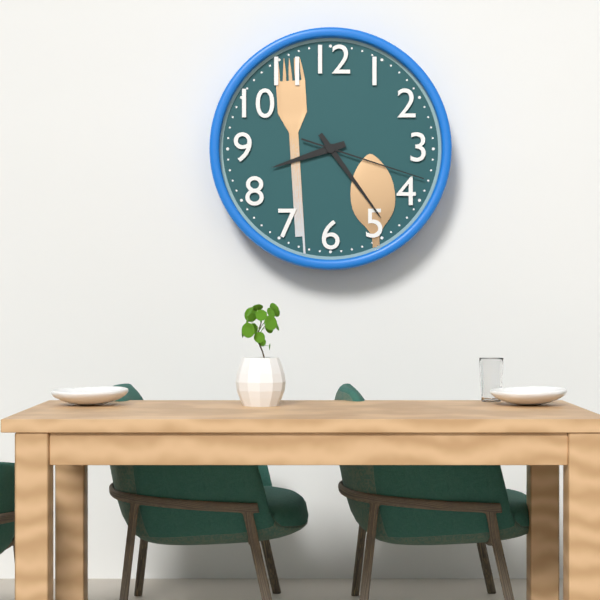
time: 8:24:18
